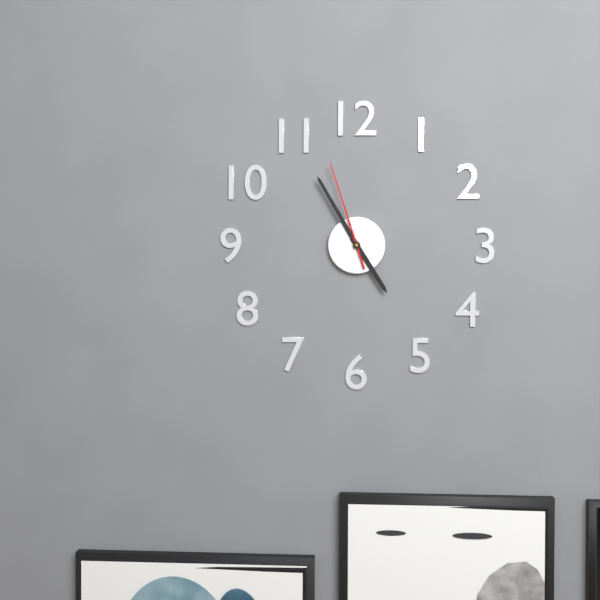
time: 4:55:57
